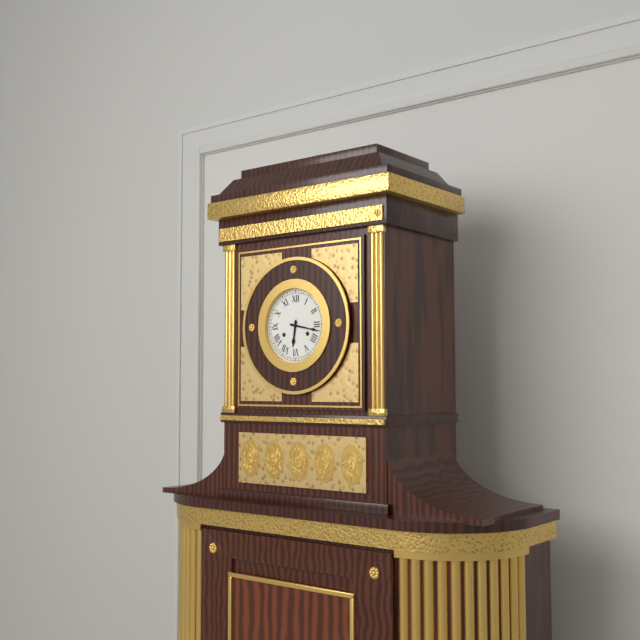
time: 6:17
